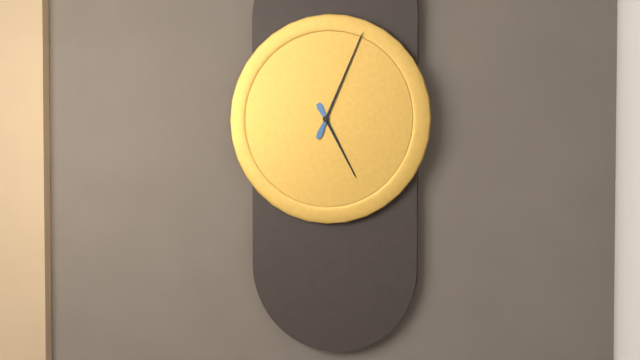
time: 5:04
